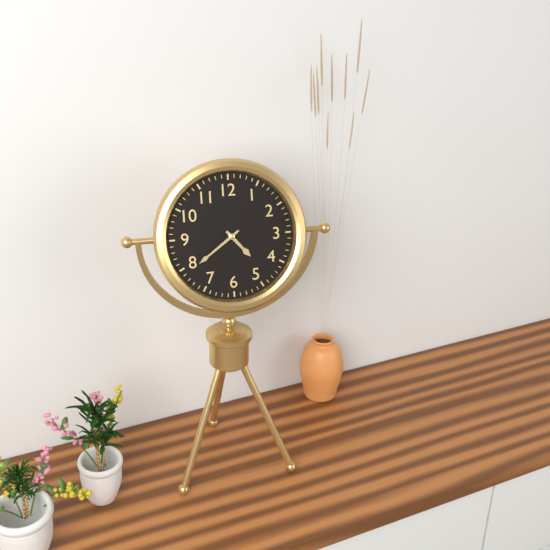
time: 4:39
